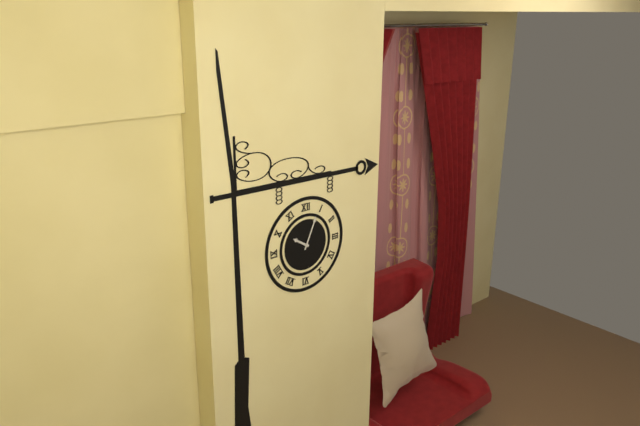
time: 10:04
